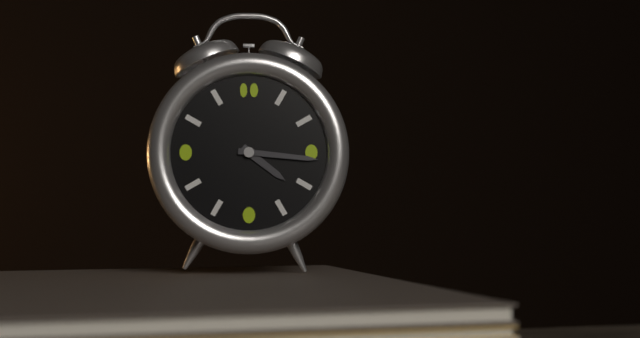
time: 4:16
